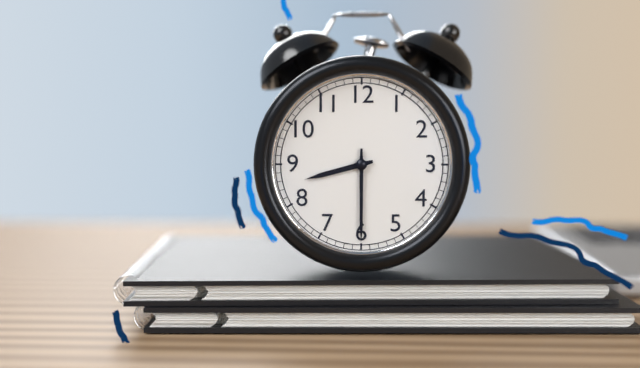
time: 8:30
